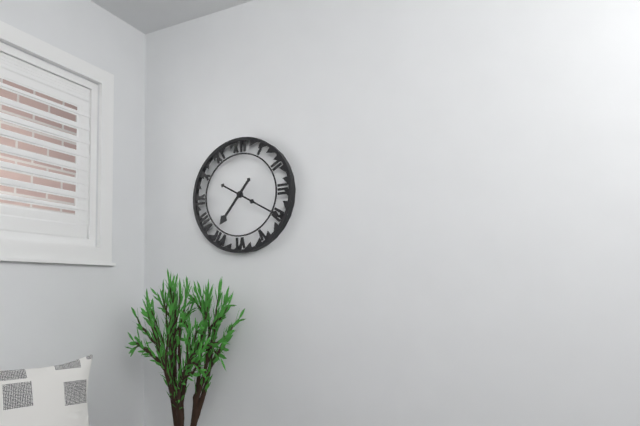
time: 7:20
